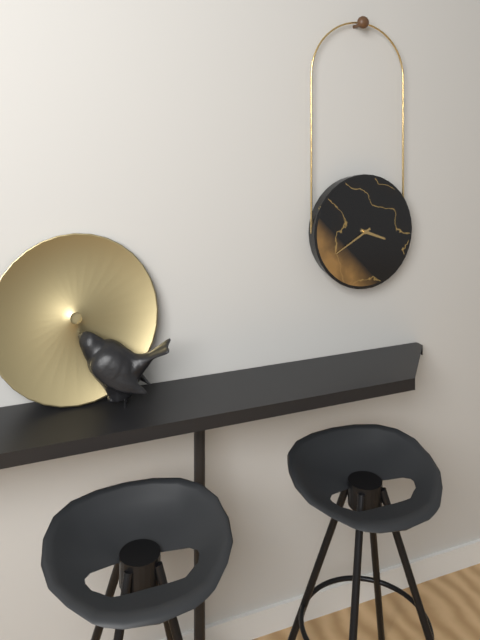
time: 3:40
